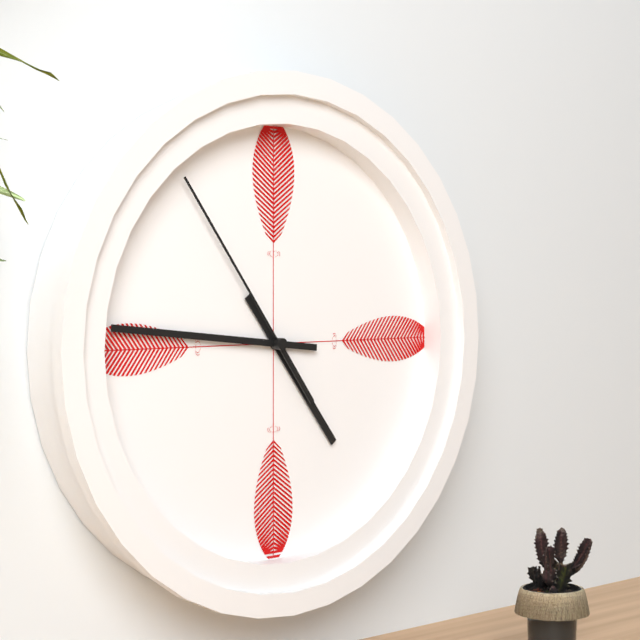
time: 4:46:54
